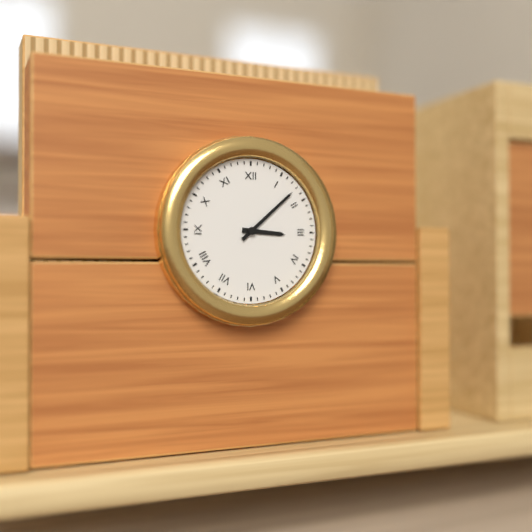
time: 3:08
